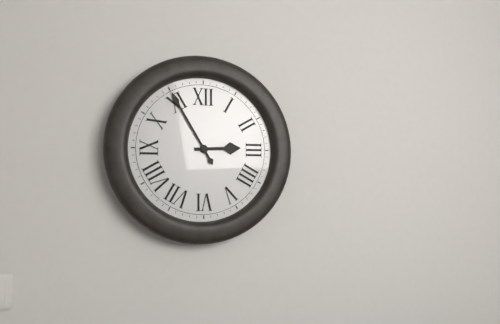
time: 2:55
